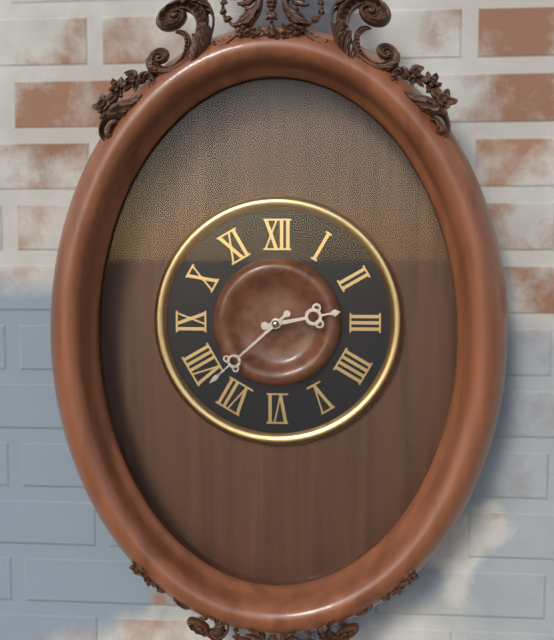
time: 2:38
